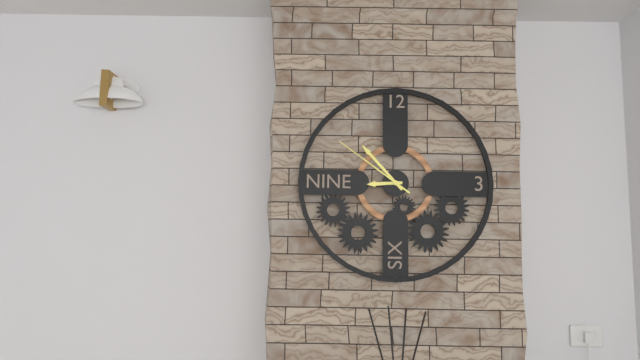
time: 8:53:51
